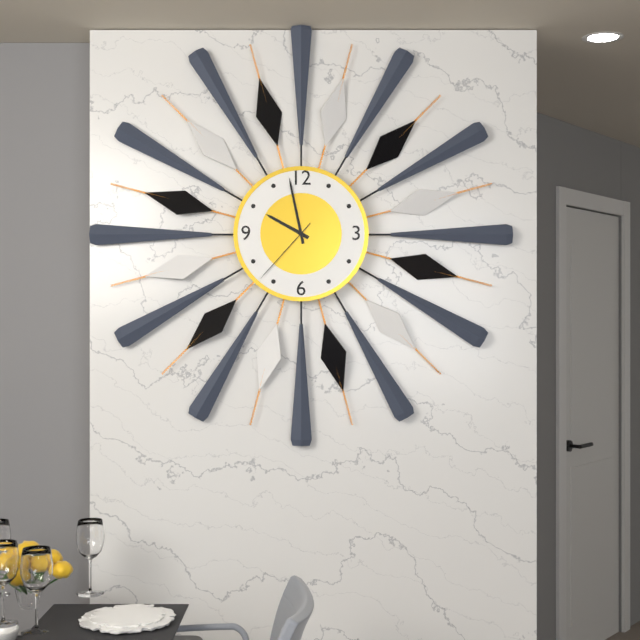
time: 9:58:37
